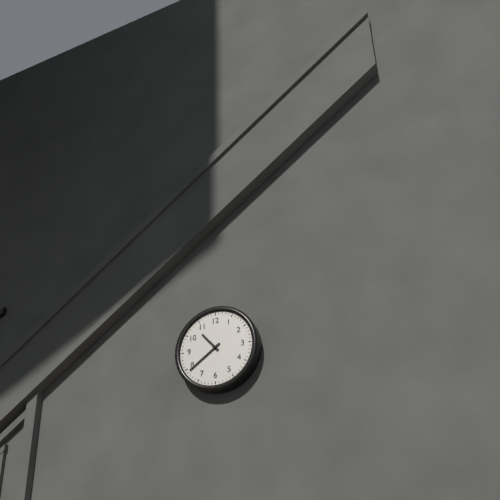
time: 10:39
